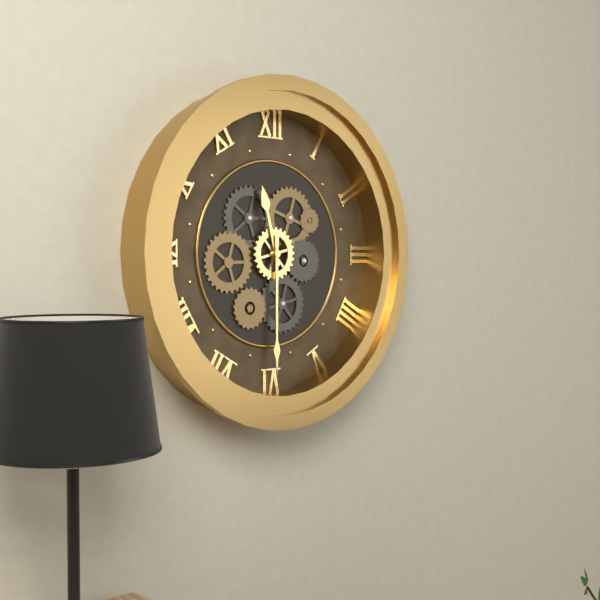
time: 11:30
